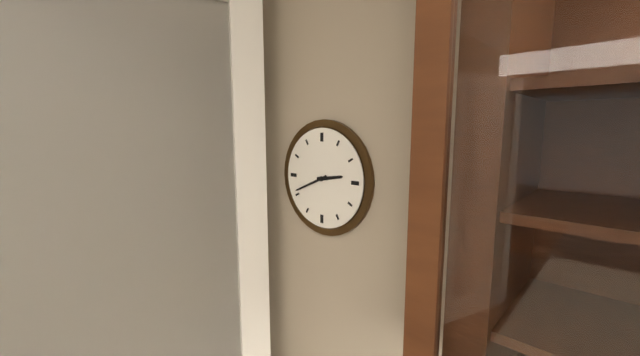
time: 2:41
